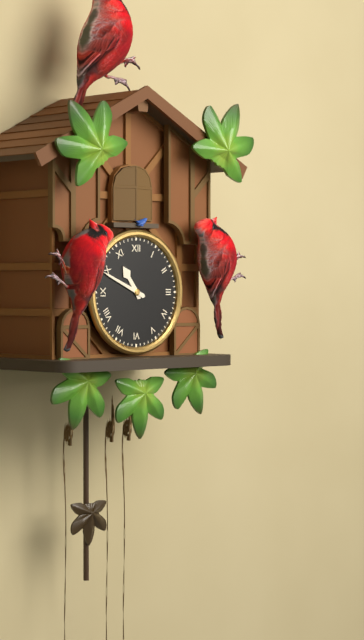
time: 10:49
